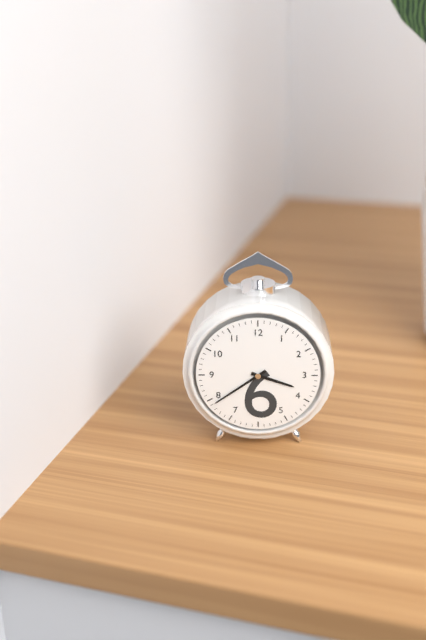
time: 3:39
